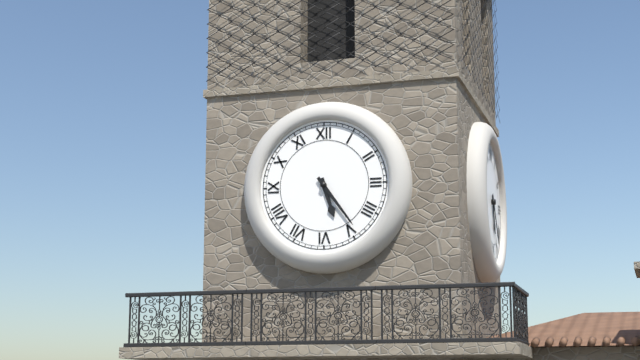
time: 5:24
